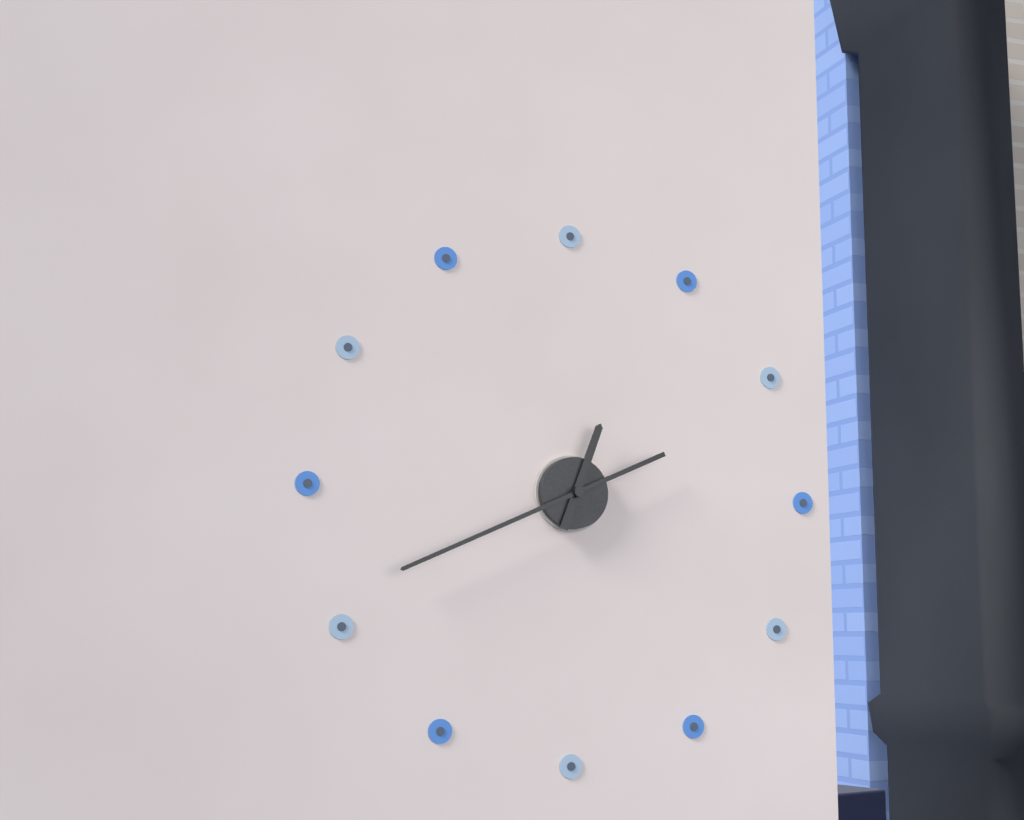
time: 12:41
